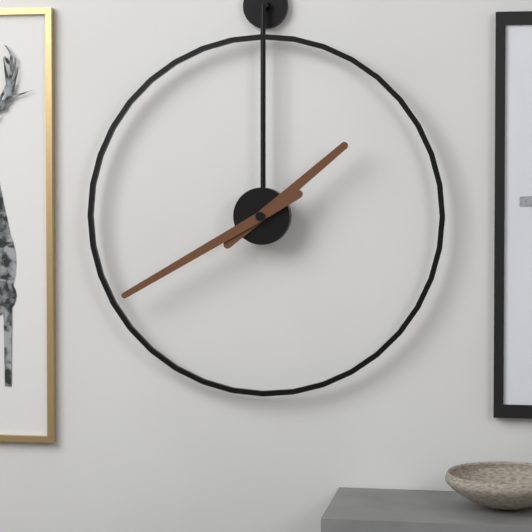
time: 1:40
